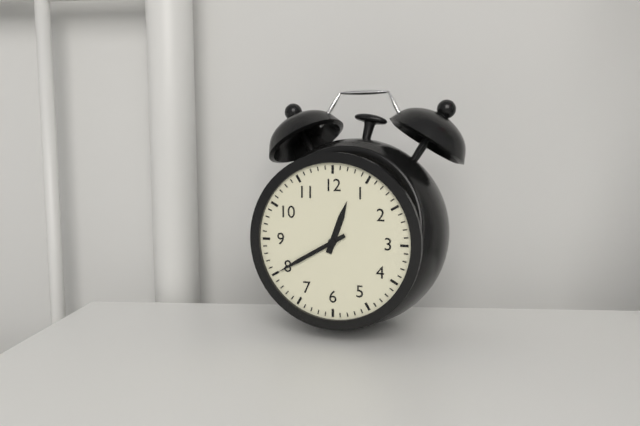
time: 12:40
